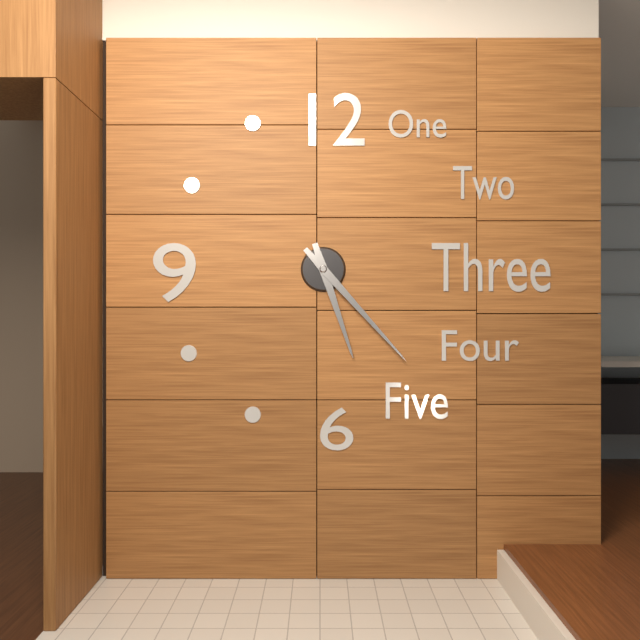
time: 5:23
